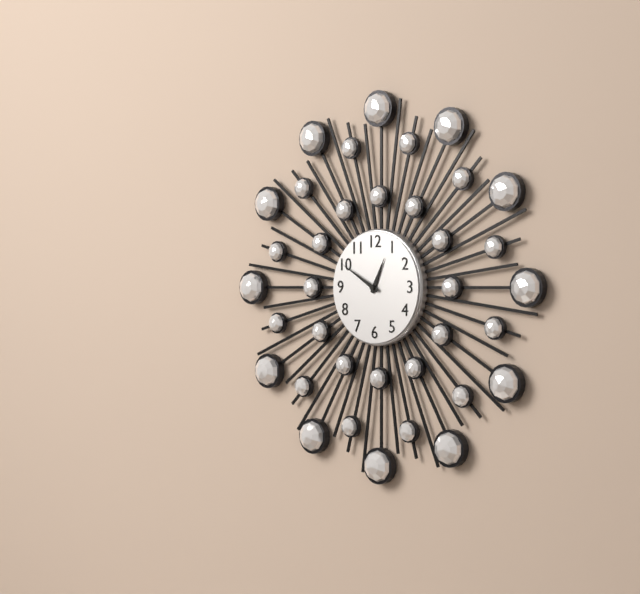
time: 12:50
